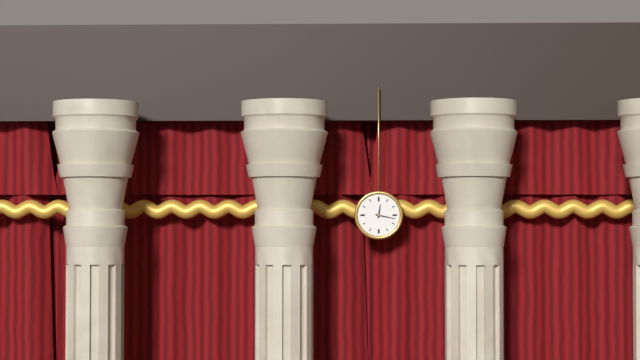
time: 12:17
